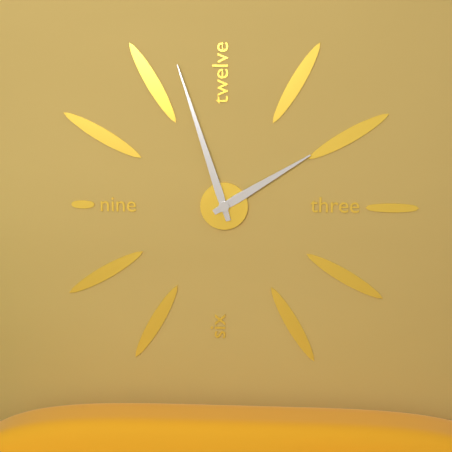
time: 1:57
